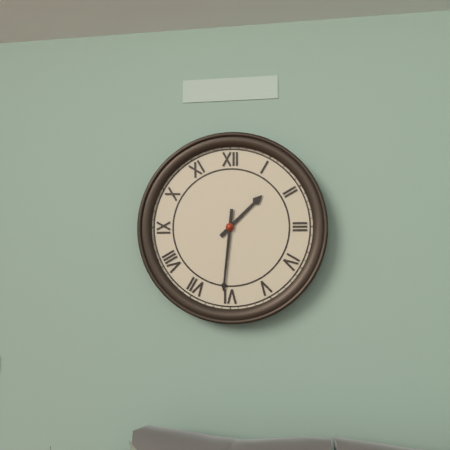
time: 1:31
